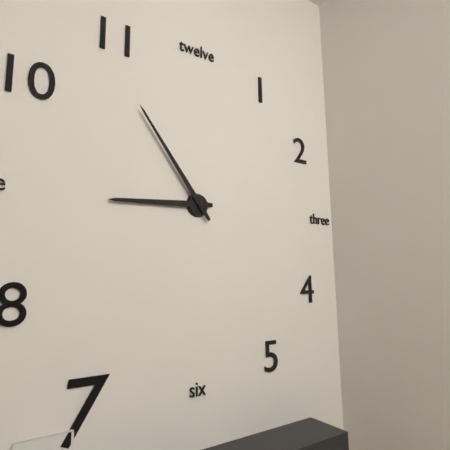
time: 8:54
